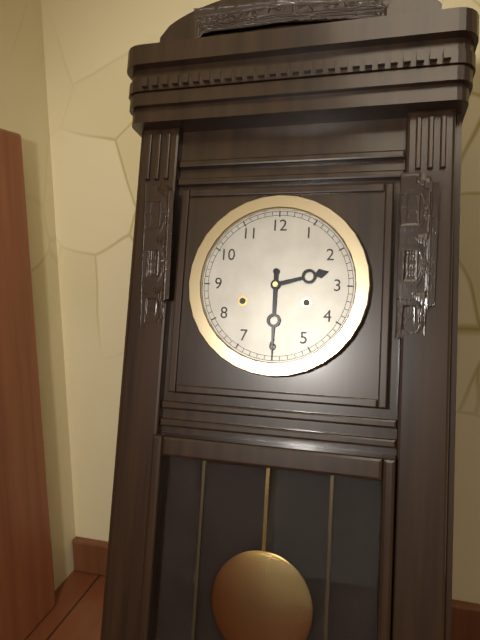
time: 2:30
